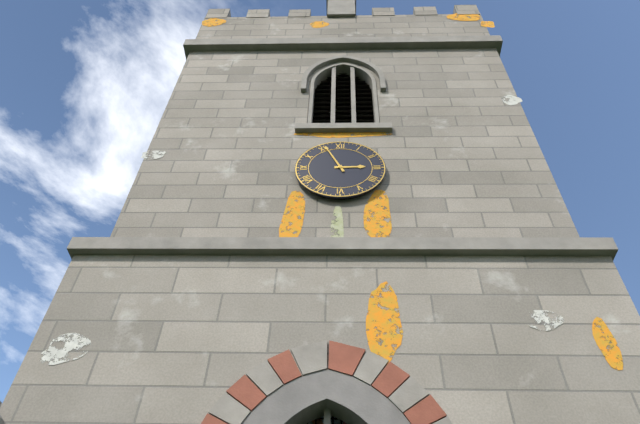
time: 2:56
